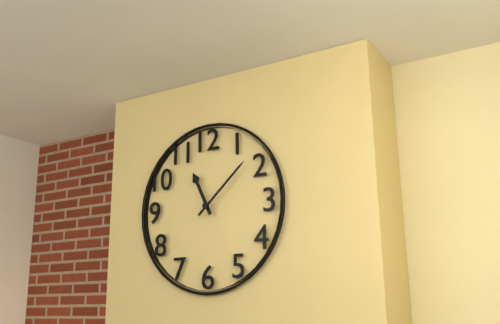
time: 11:08
